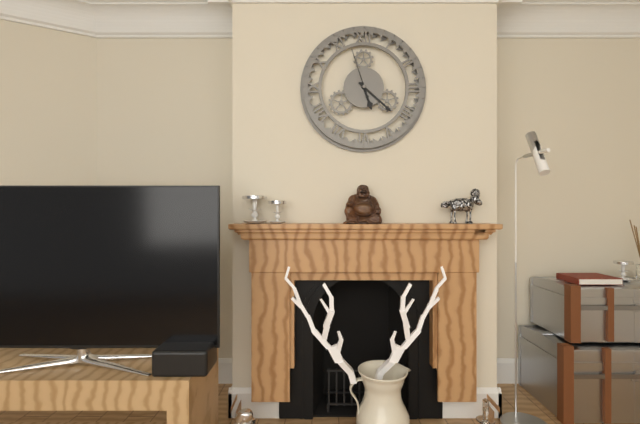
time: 5:22:57
